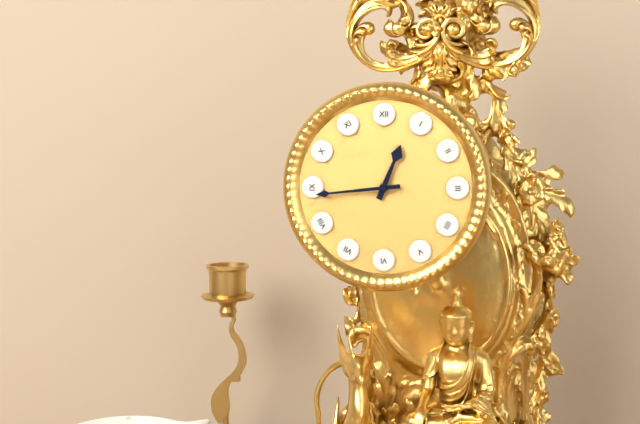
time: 12:44
